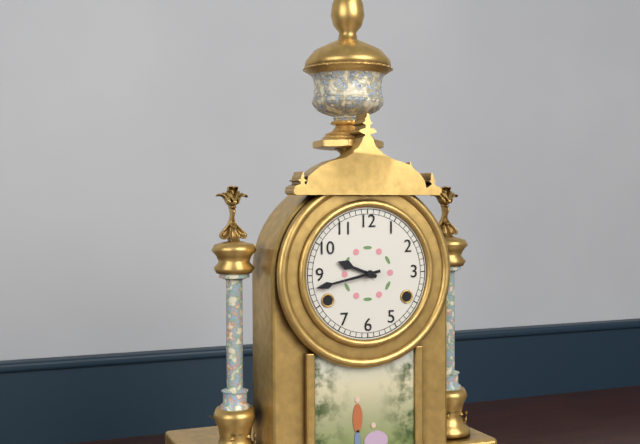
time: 9:43
